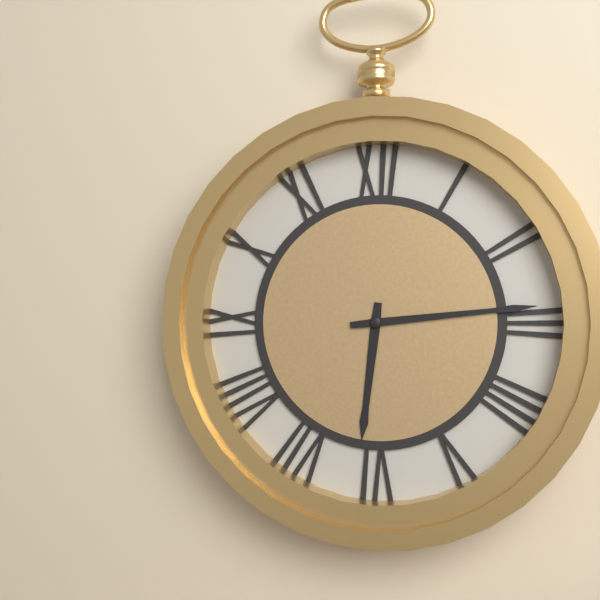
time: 6:14
